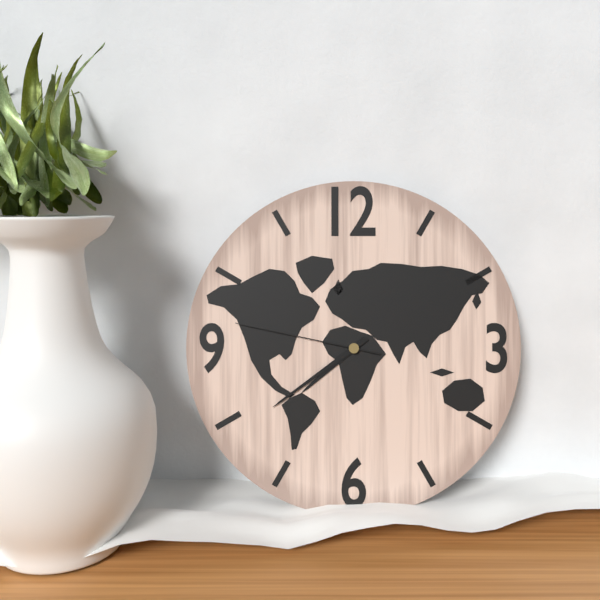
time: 7:39:47
